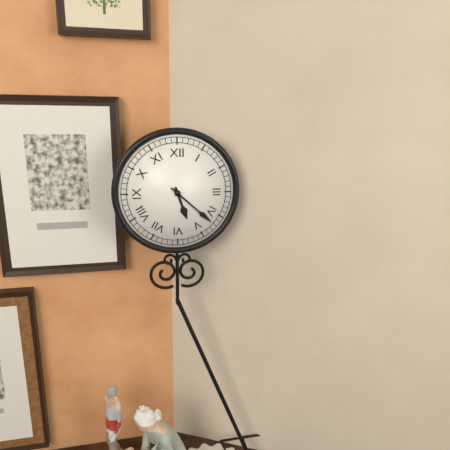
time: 5:22
